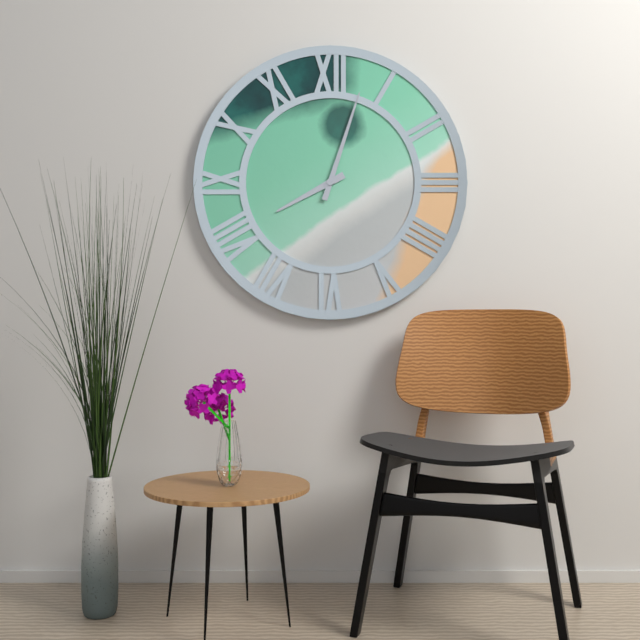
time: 8:03
